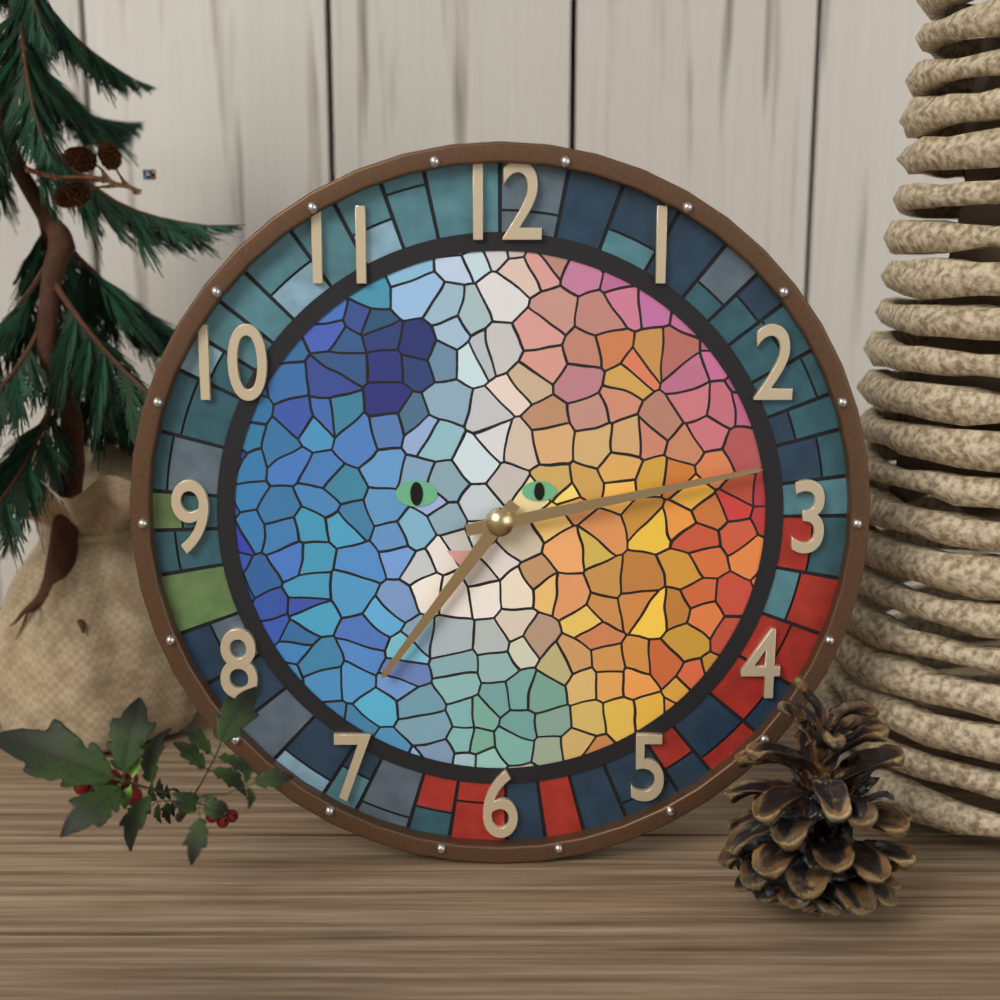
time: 7:13
